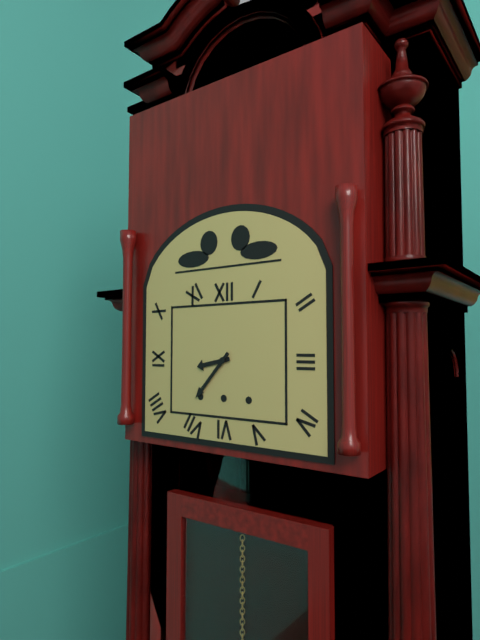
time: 8:37
